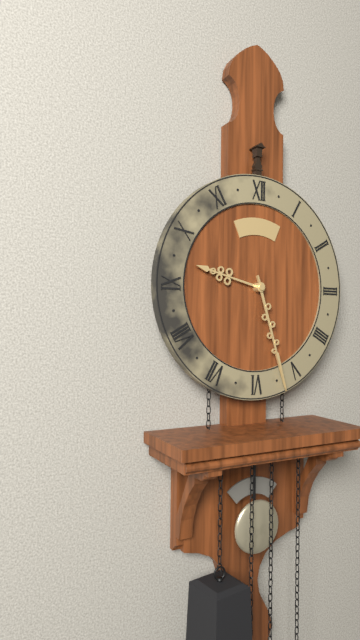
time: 9:27
